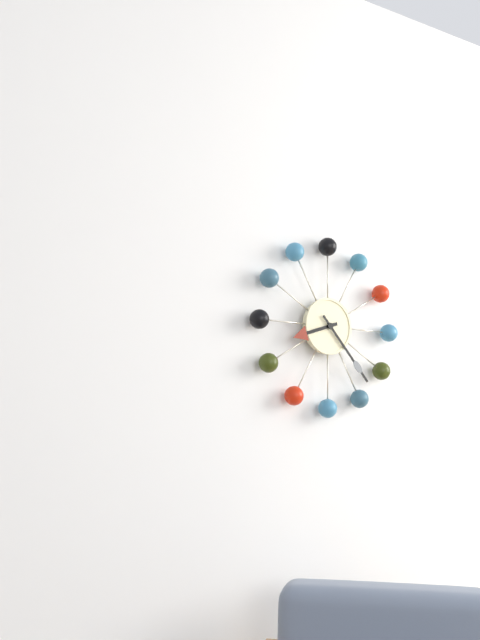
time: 8:23
